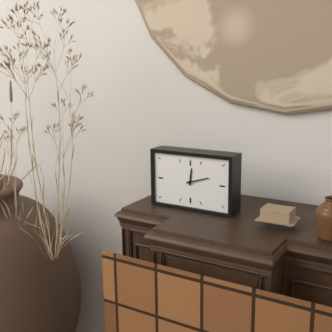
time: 12:12
